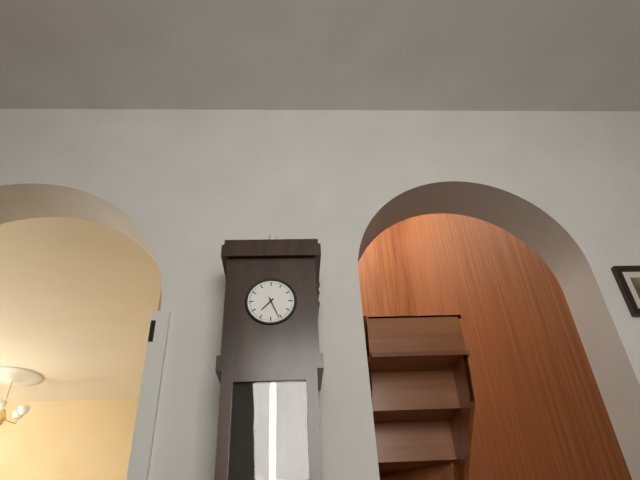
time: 7:26
